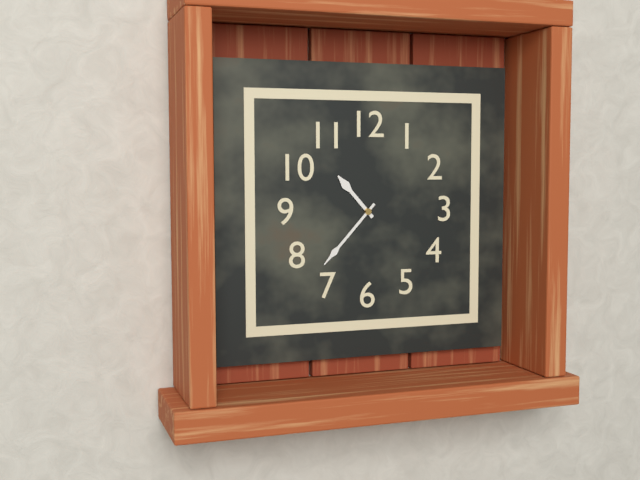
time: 10:37
